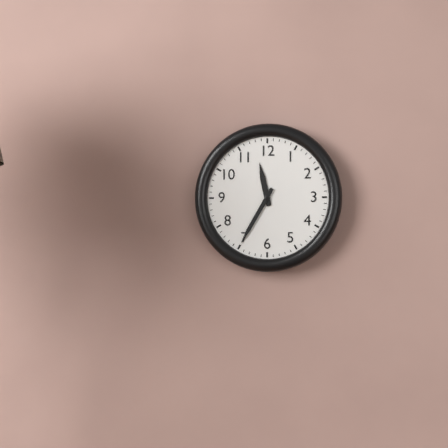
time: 11:35
